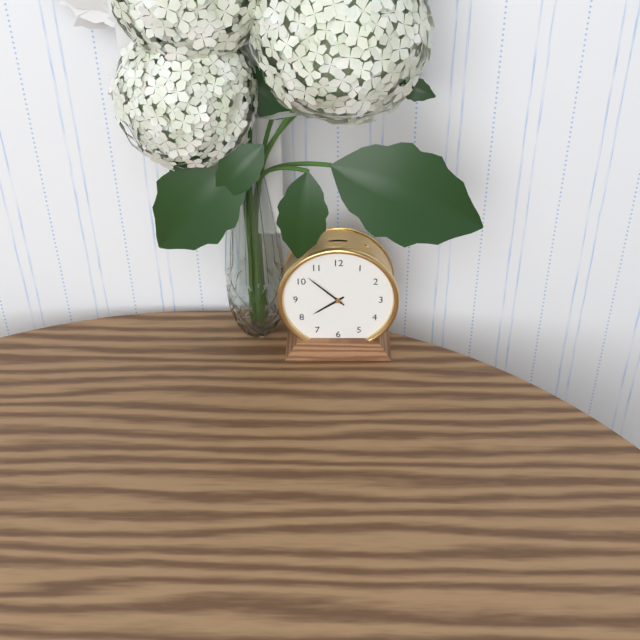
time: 7:52
